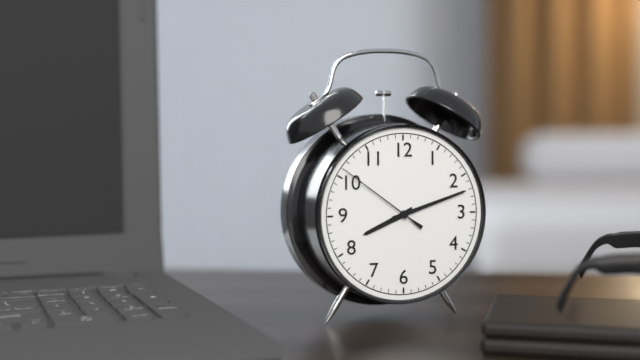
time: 8:12:51
